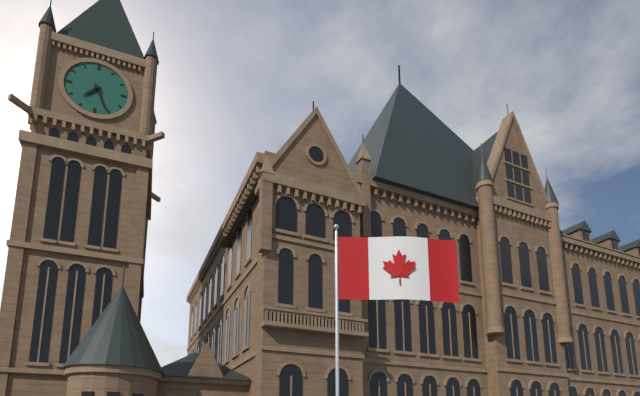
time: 7:26
